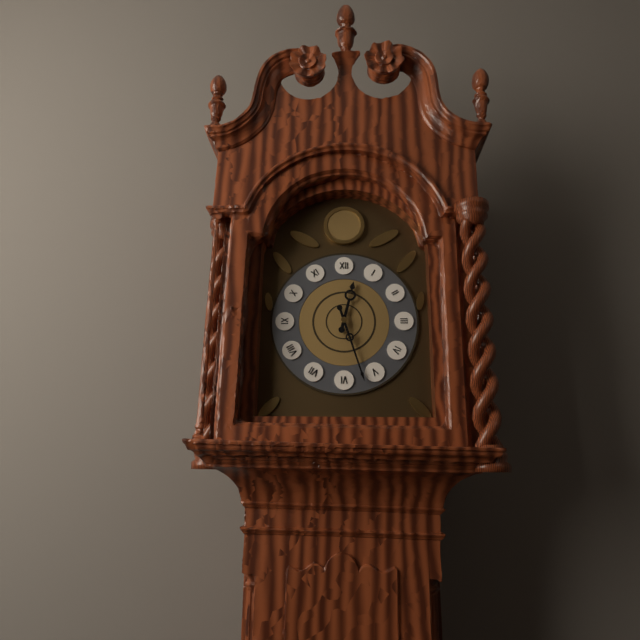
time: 12:27
